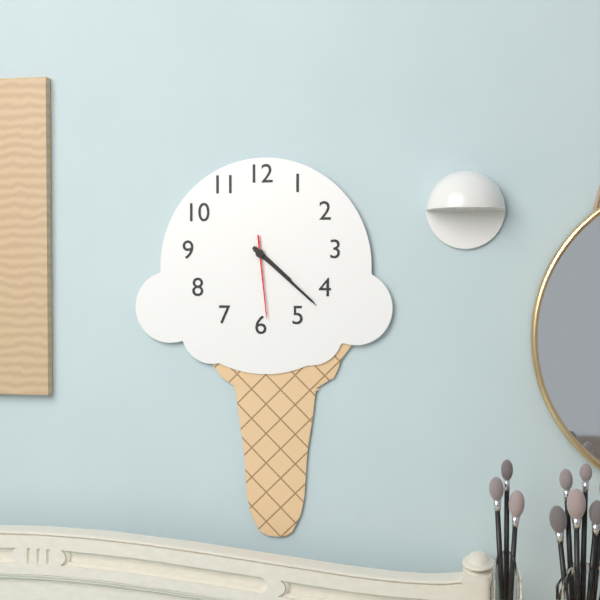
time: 4:22:29
